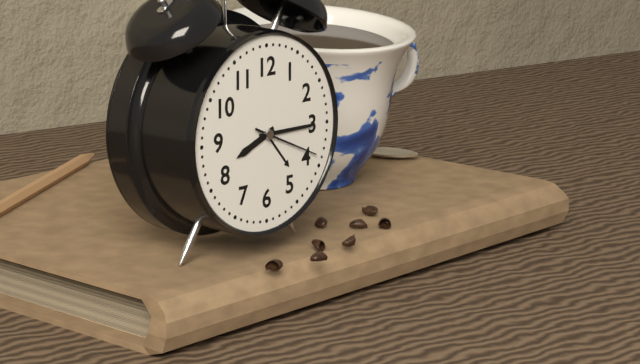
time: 8:15:19
